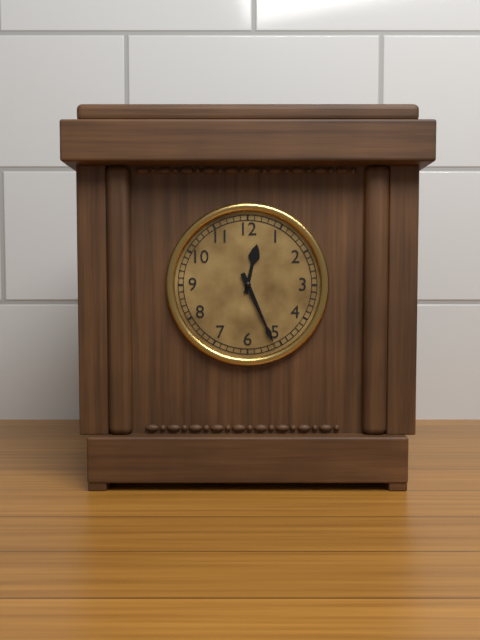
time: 12:26
